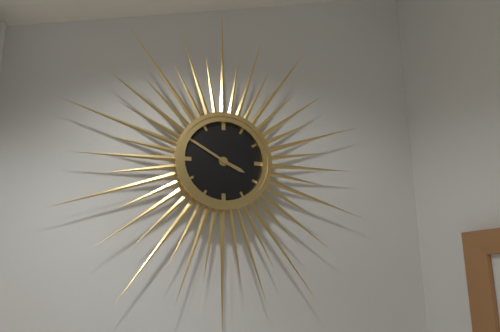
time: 3:50
